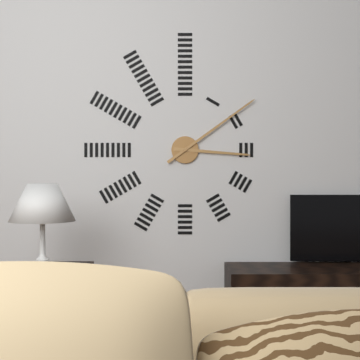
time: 3:09
